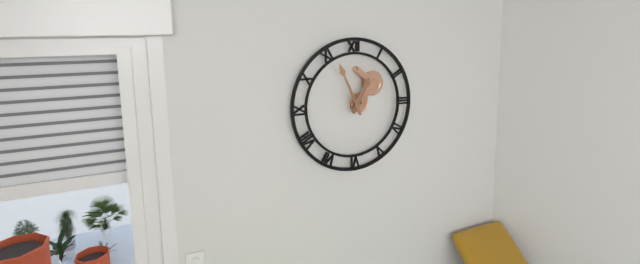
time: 12:56
